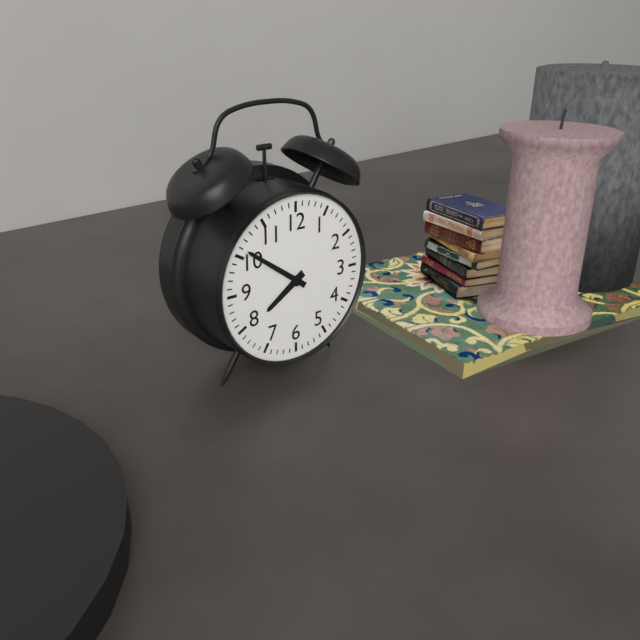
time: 7:51
